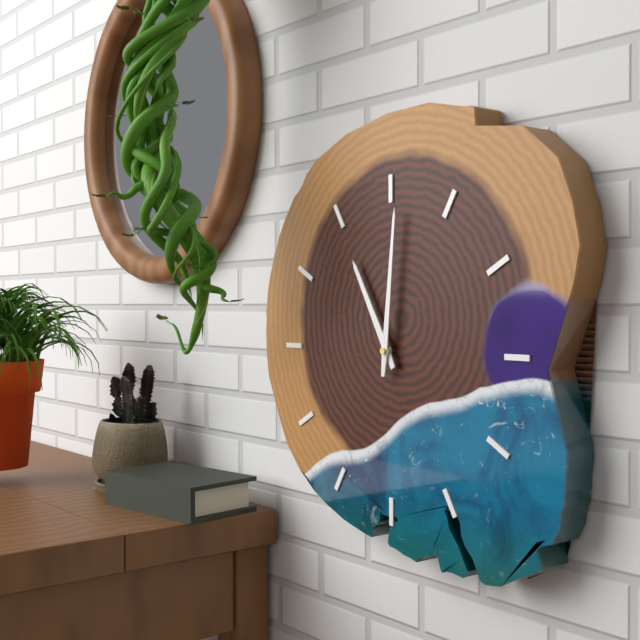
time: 11:01
